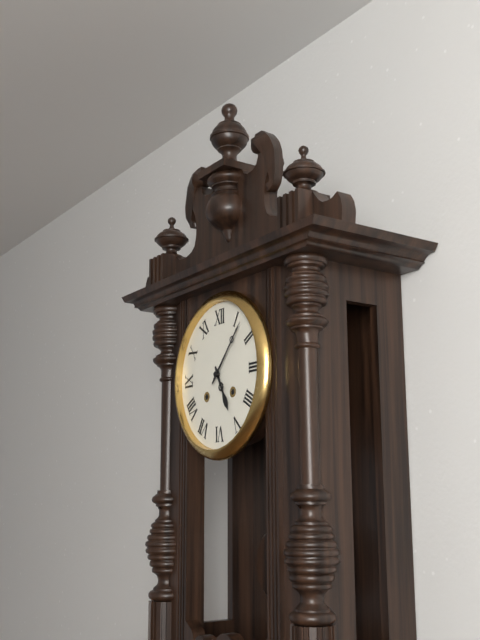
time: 5:07
